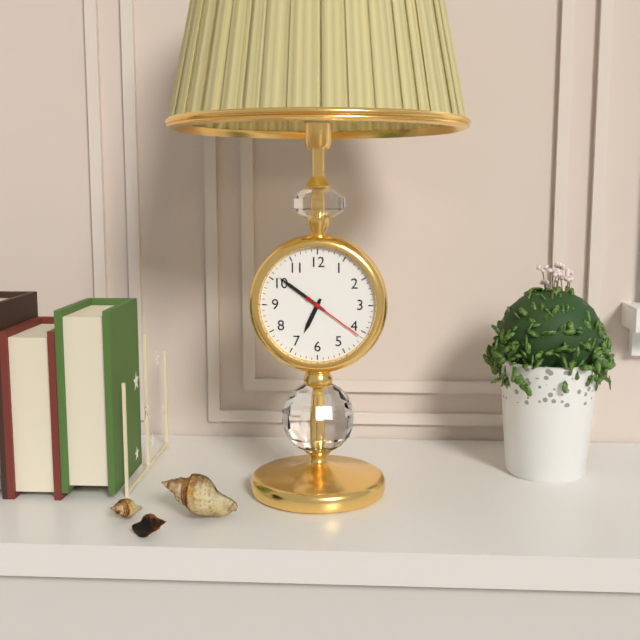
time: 6:51:21
